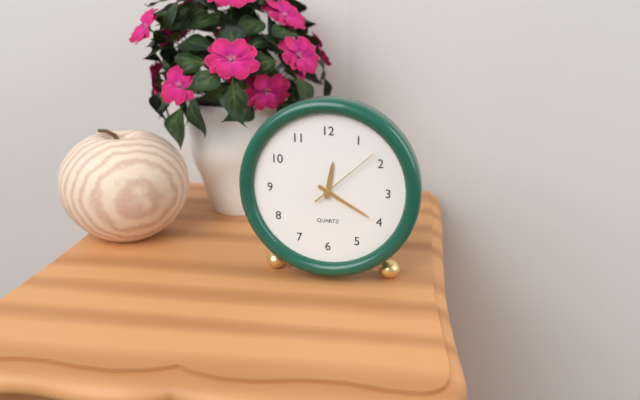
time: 12:20:08
